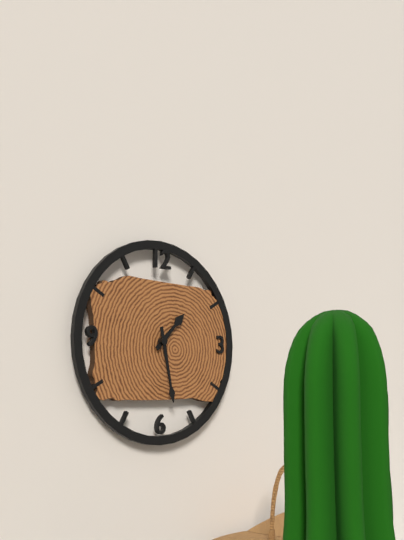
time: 1:28
